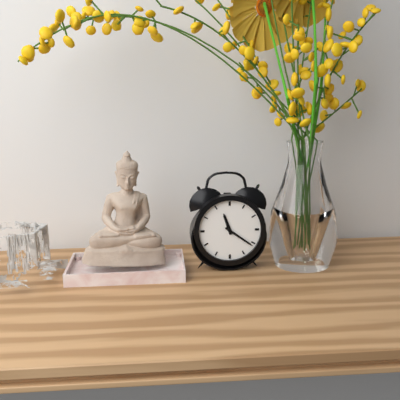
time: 11:21
